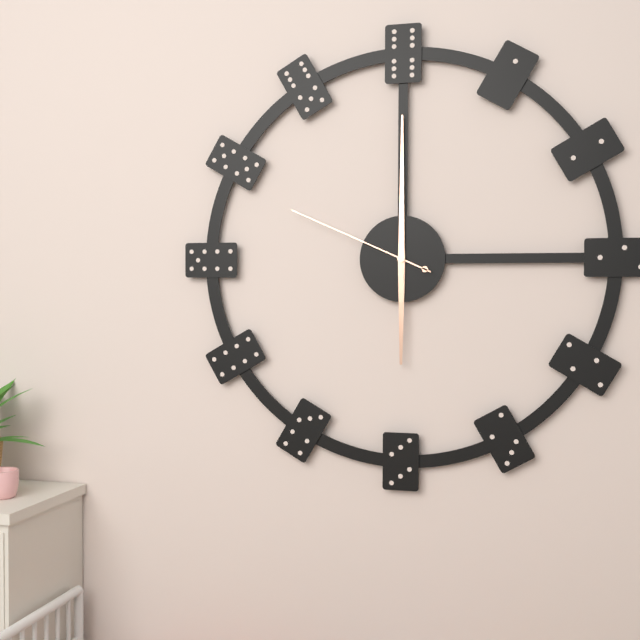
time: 6:00:49
